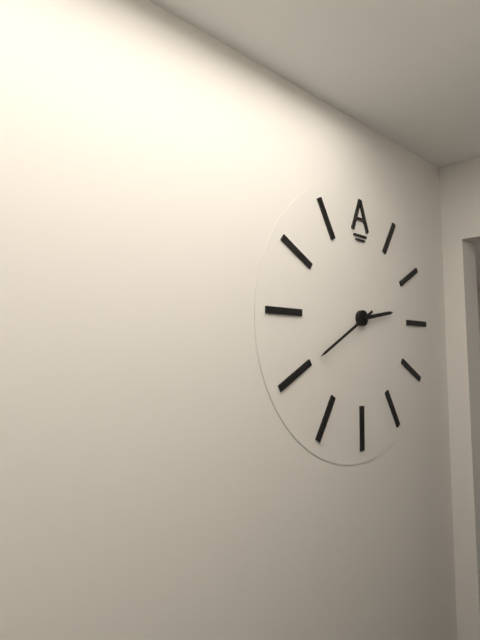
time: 2:40
